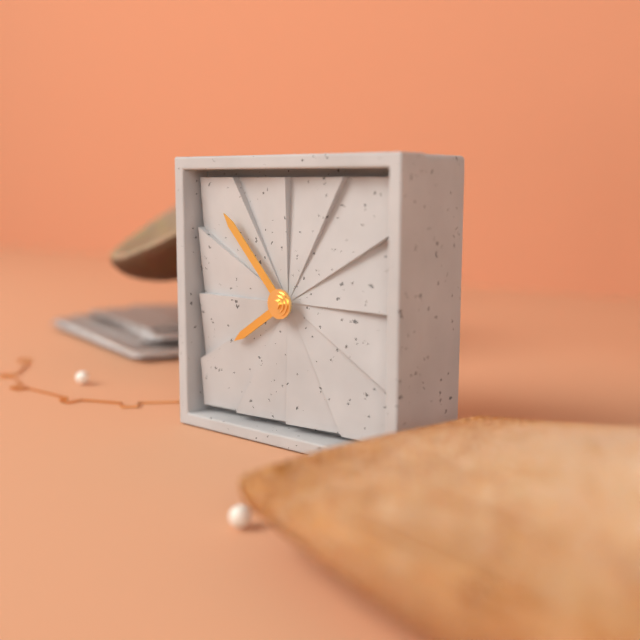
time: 7:53
